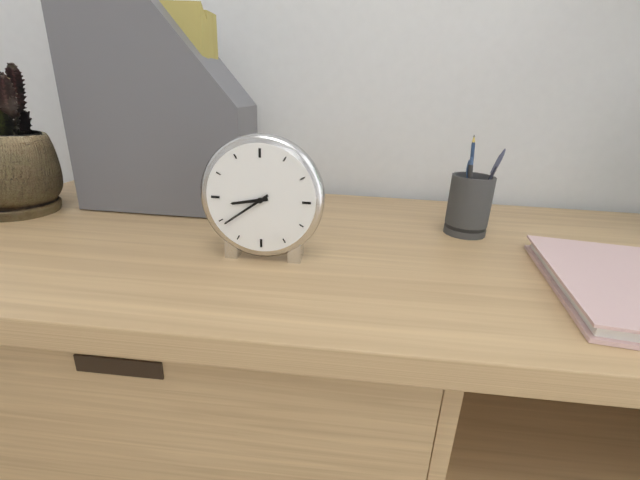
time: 8:39
